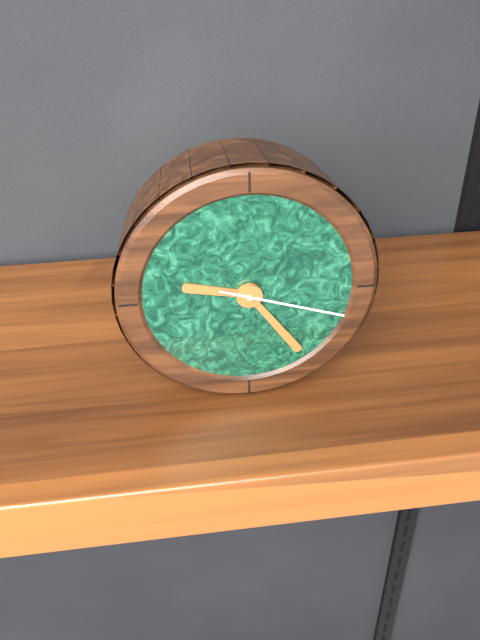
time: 9:24:18
